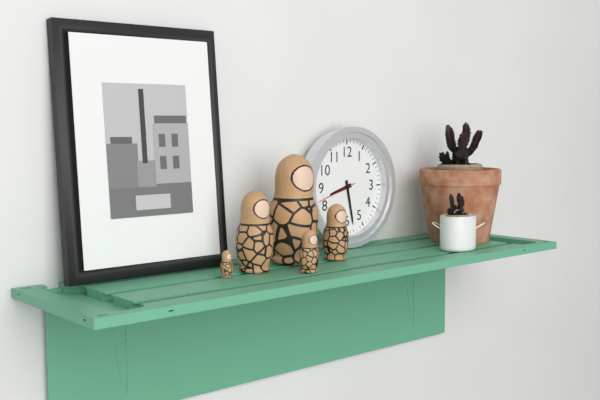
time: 8:28
